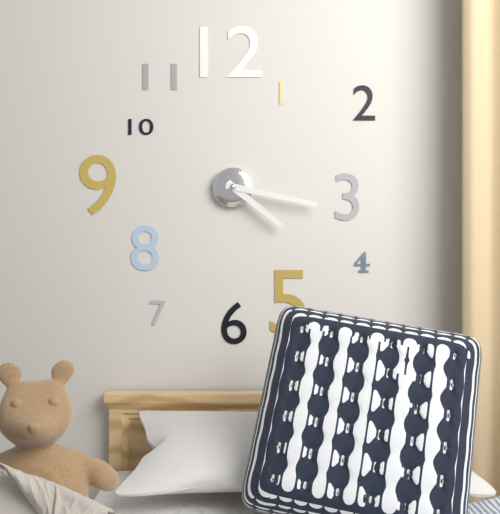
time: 4:17
